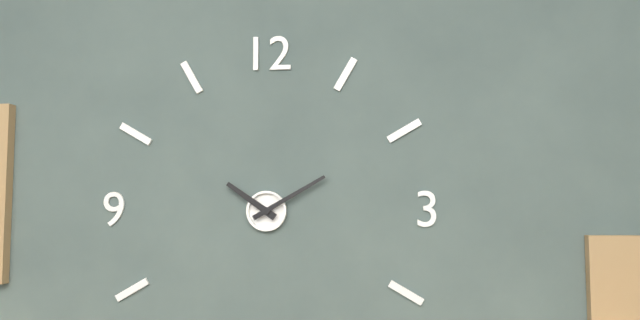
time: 10:10
